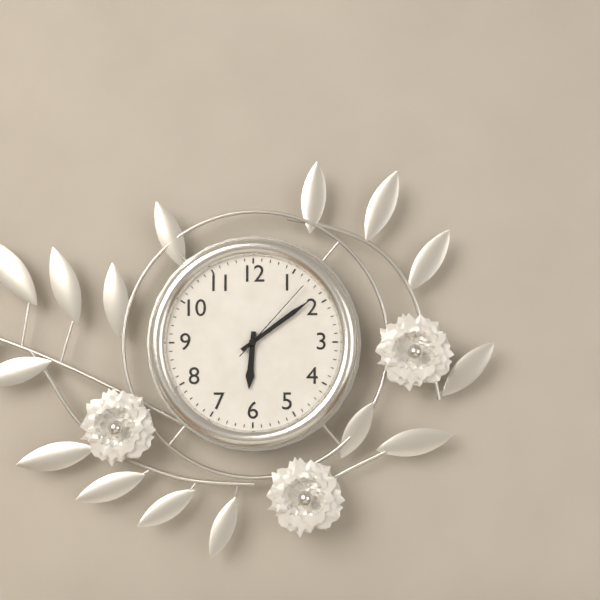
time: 6:09:07
